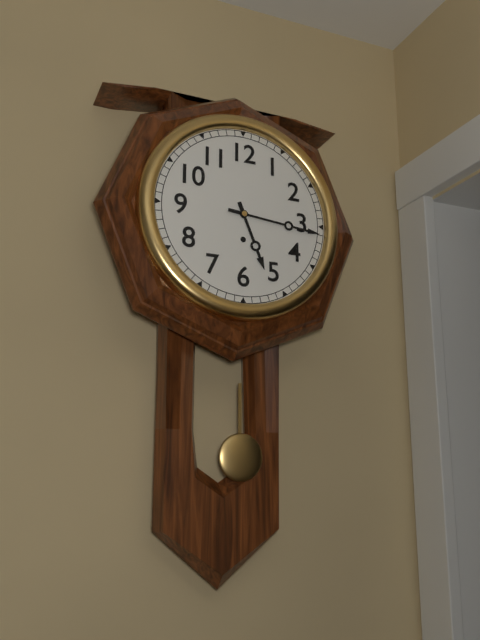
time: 5:16
